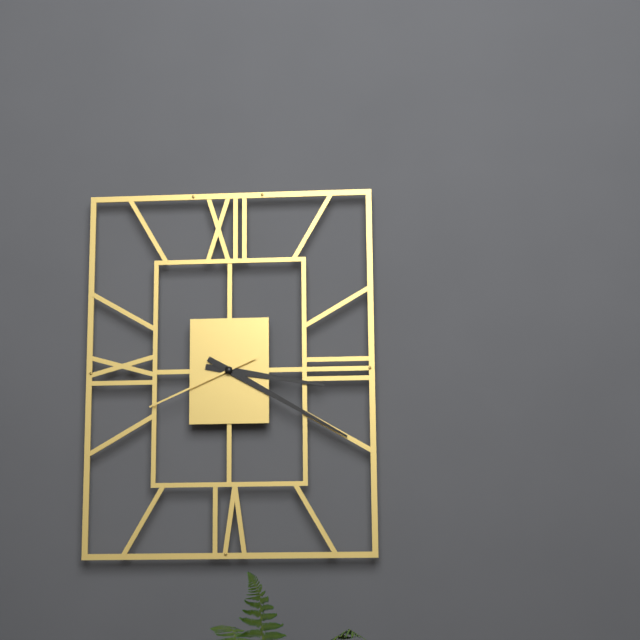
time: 3:20:41
